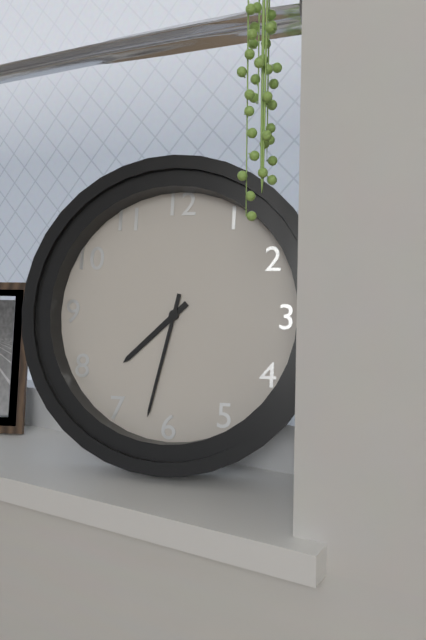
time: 7:32
